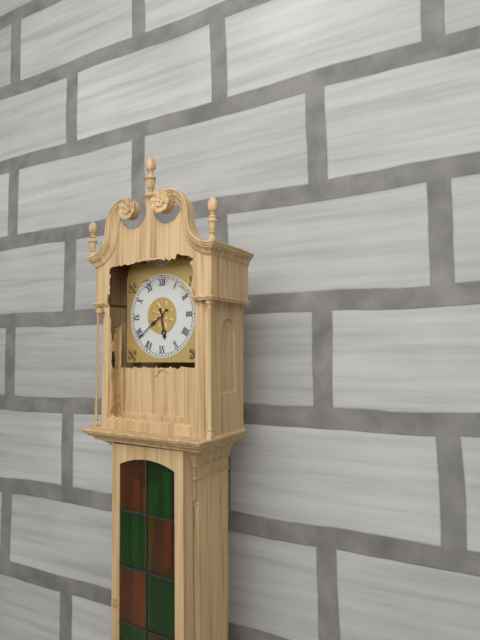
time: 5:39
